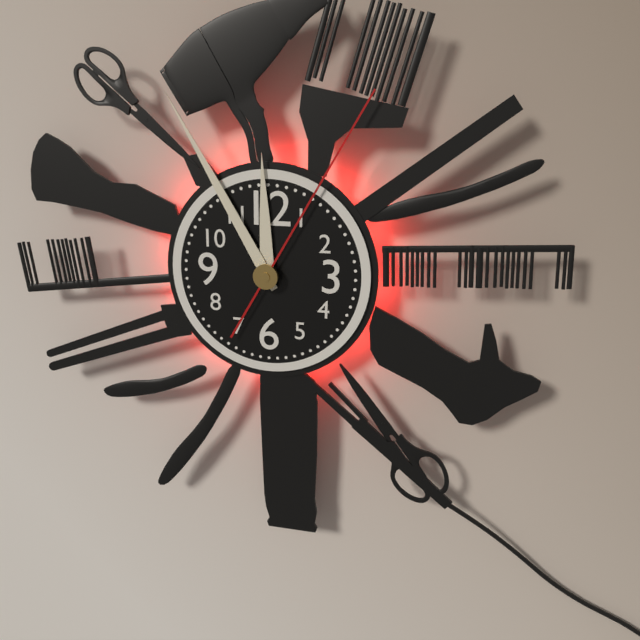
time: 11:55:05
